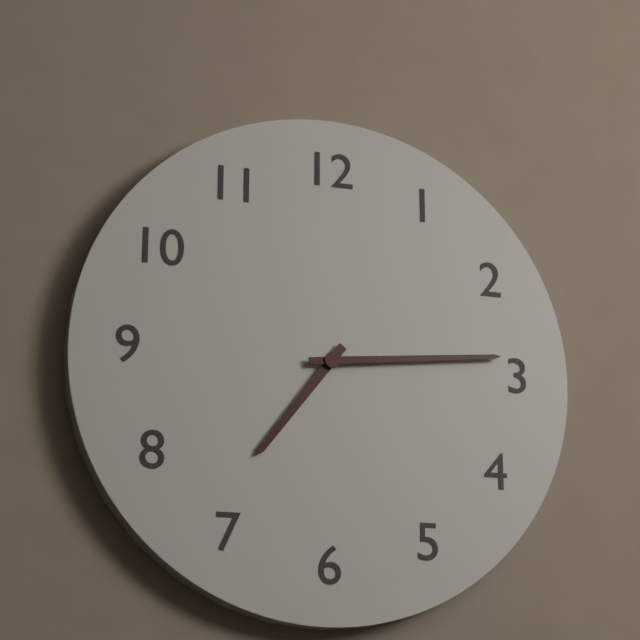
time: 7:14
